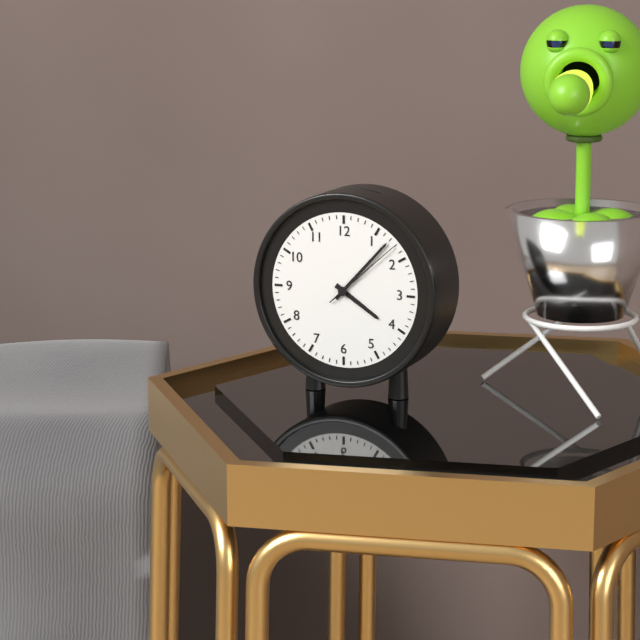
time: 4:07:08
